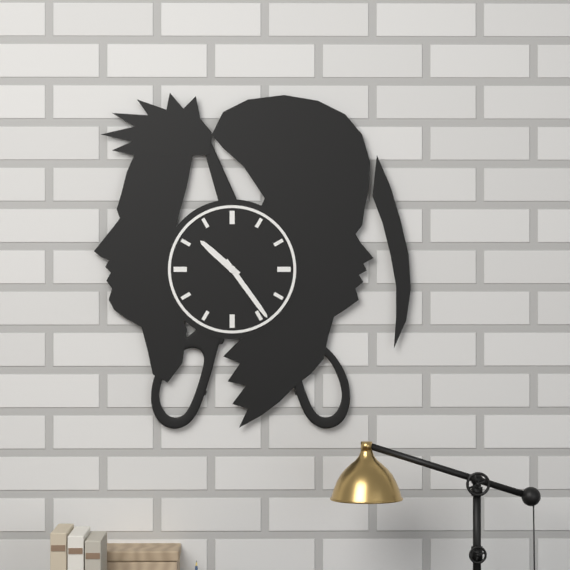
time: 10:24
